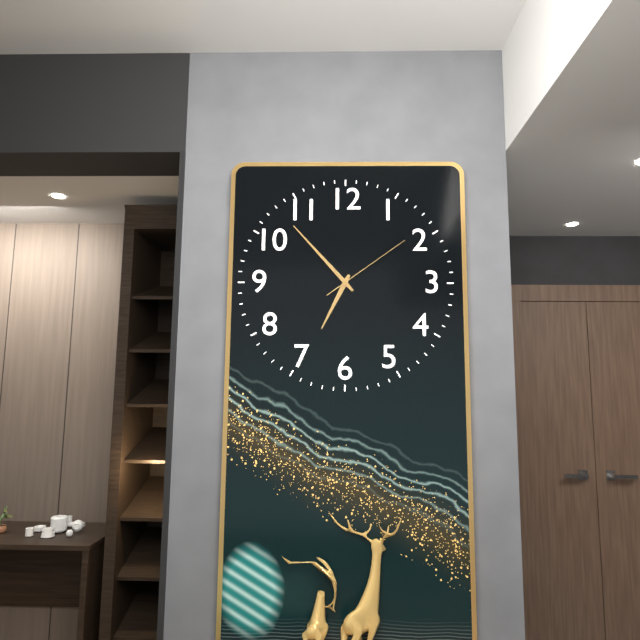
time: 6:53:09
